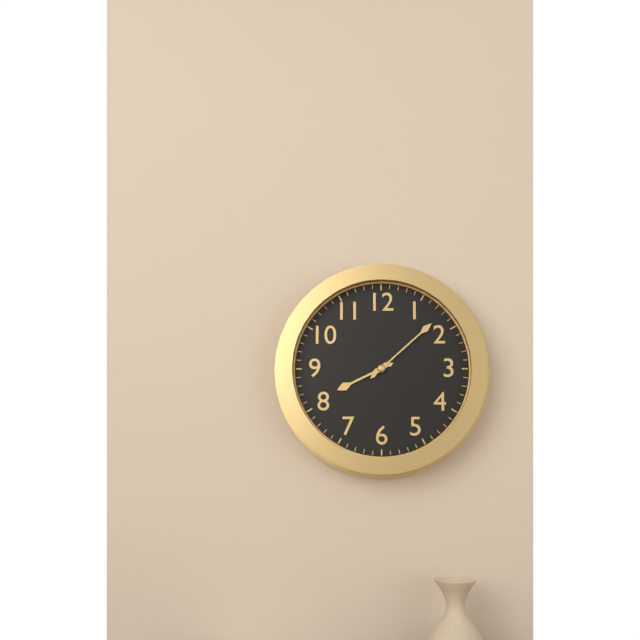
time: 8:08
